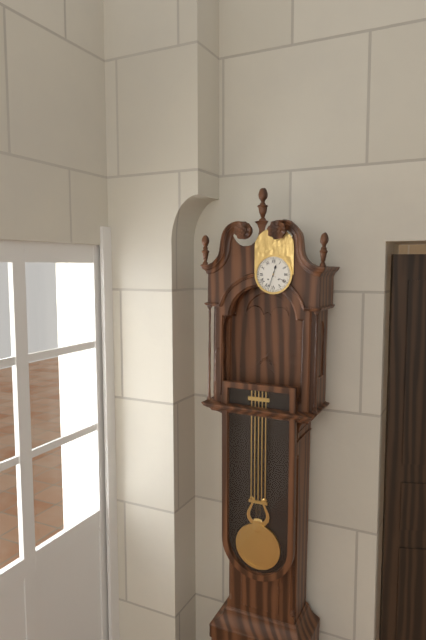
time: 12:33
